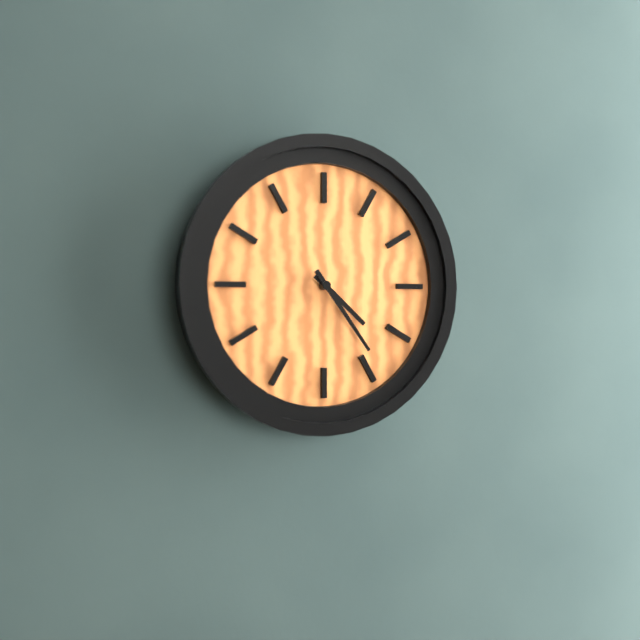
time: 4:24
